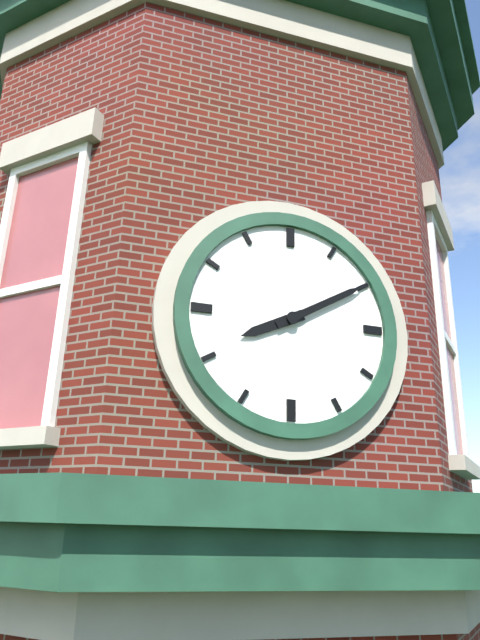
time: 8:10
